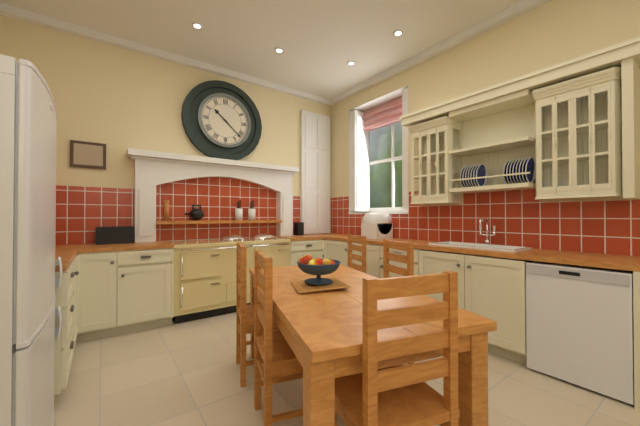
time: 10:22
